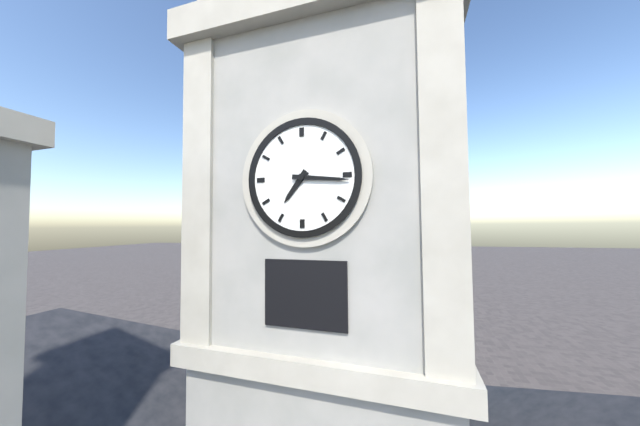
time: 7:16
